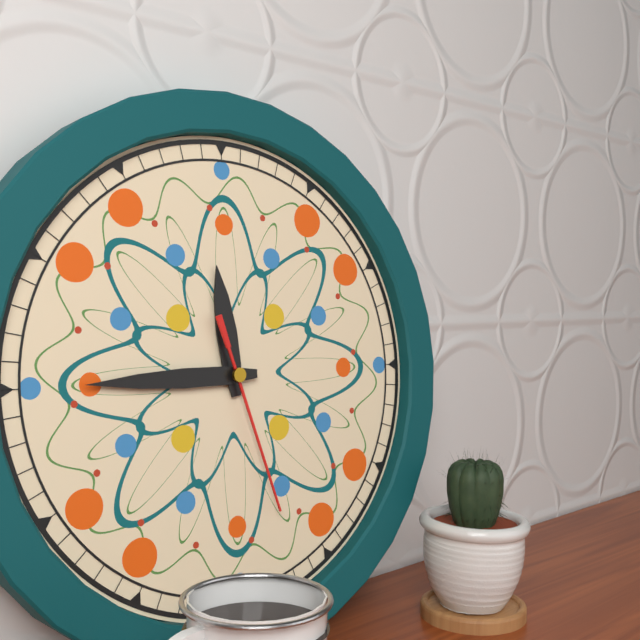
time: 11:45:27
